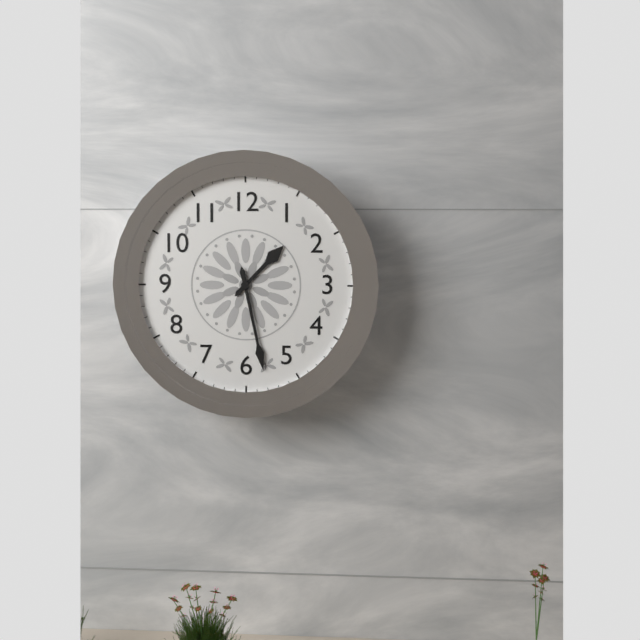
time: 1:28
